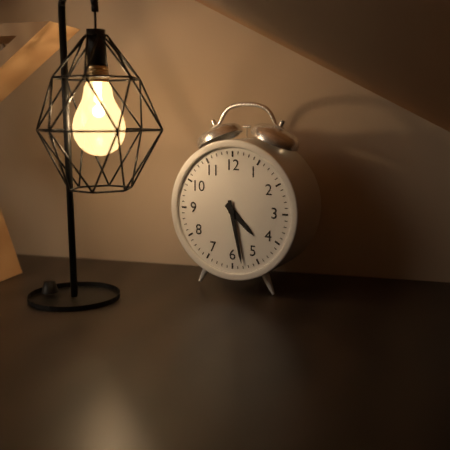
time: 4:28
